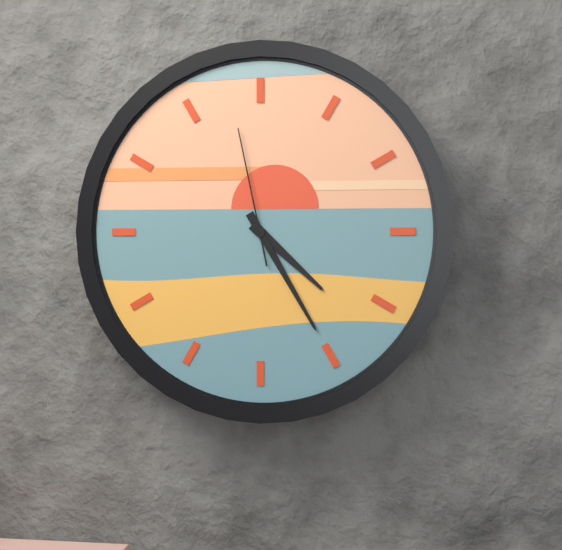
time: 4:25:58
